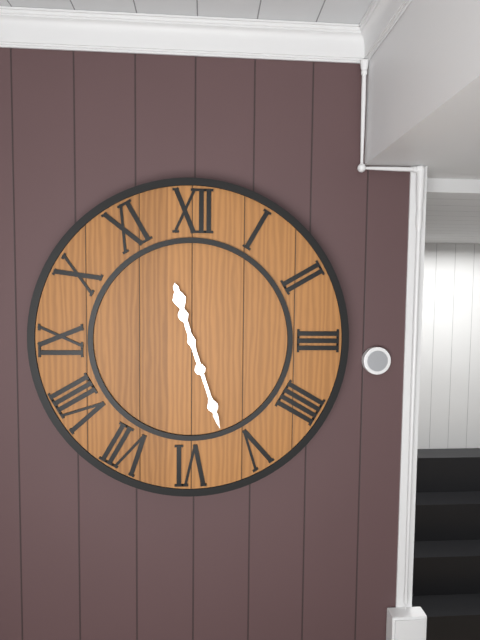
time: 11:27
